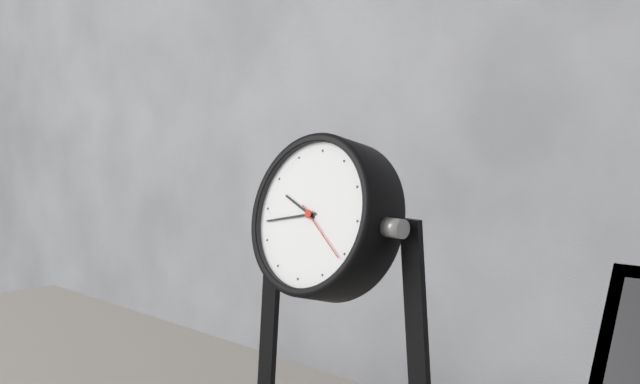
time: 9:43:21
